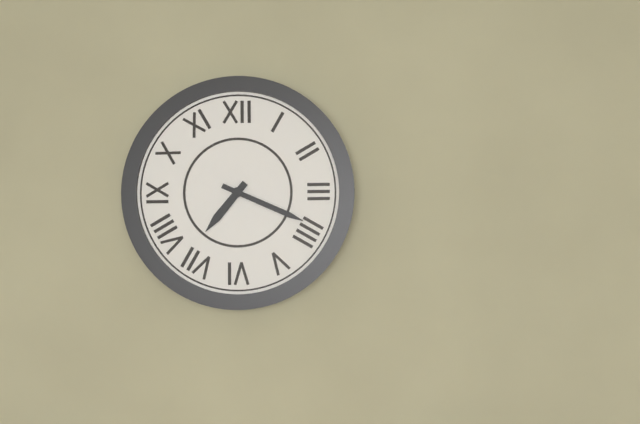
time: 7:19
